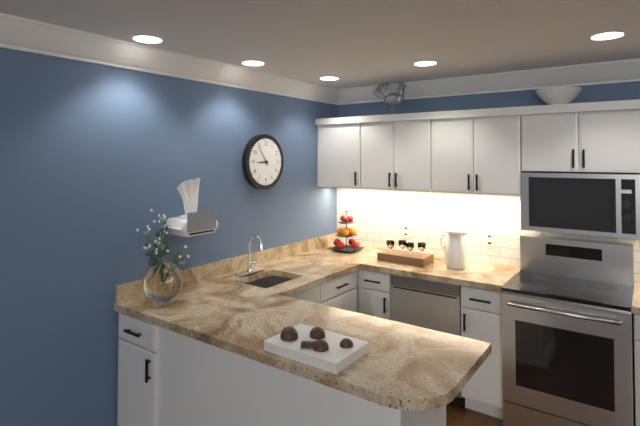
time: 8:54
